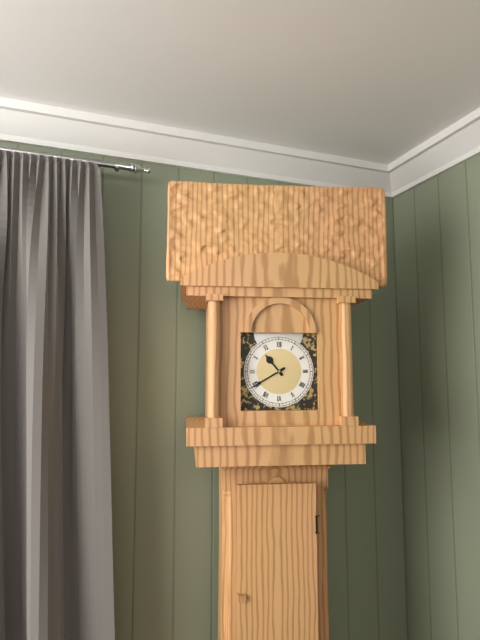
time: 10:40
